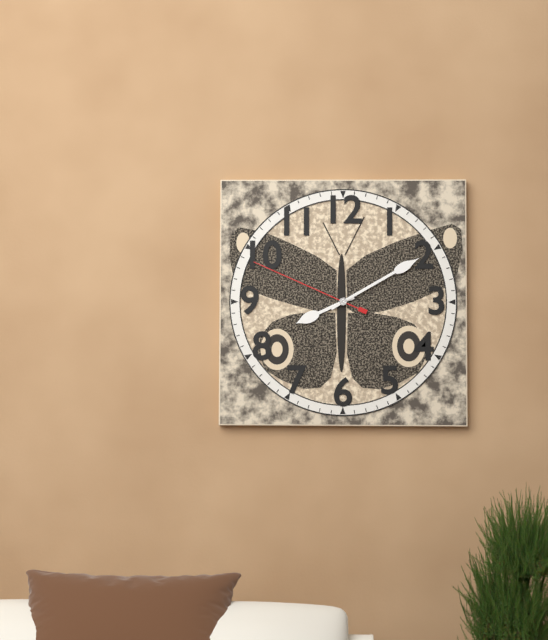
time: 8:10:49
